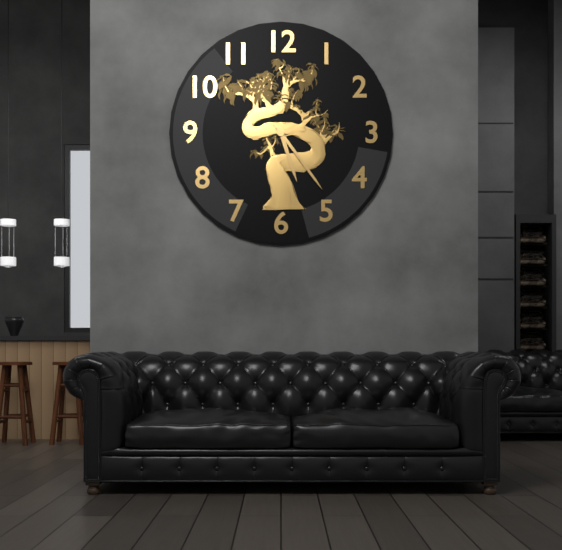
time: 5:24
